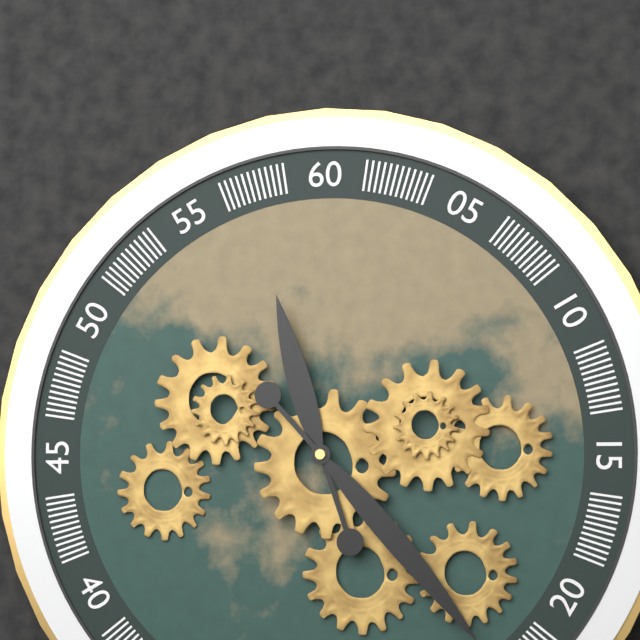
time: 11:23
